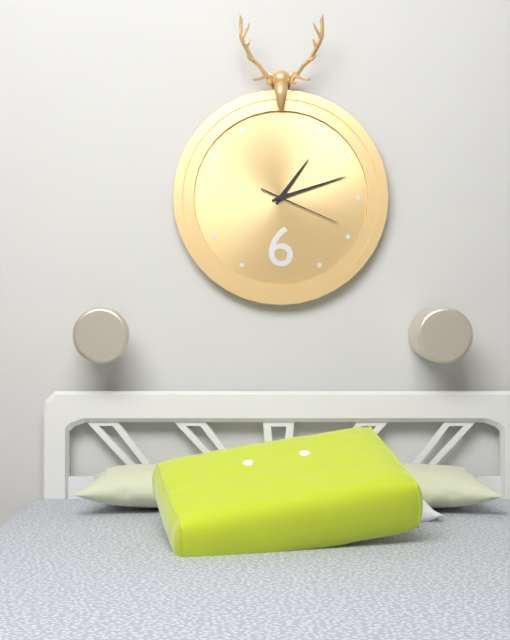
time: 1:12:19
